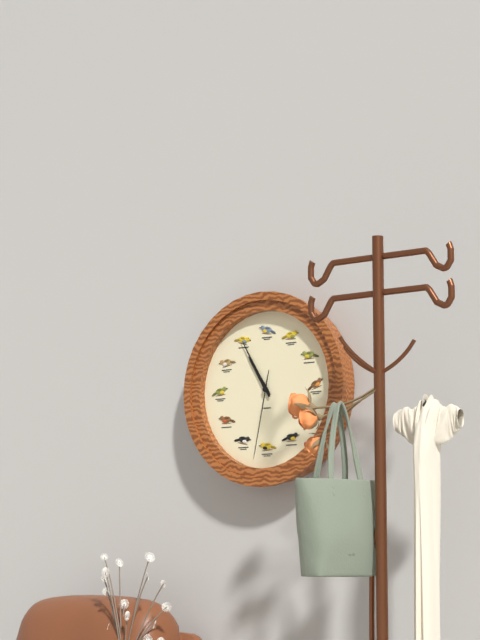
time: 10:55:32
